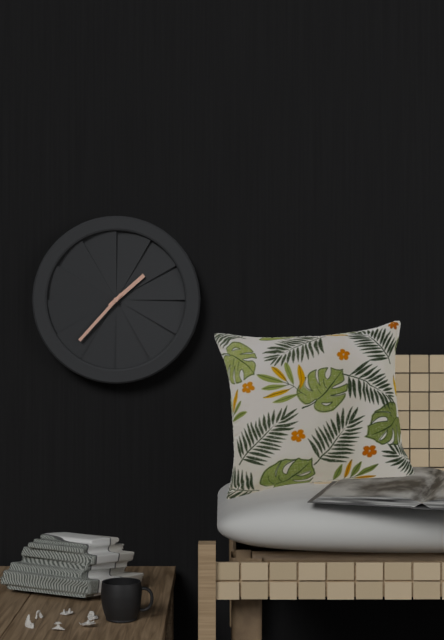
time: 1:37
